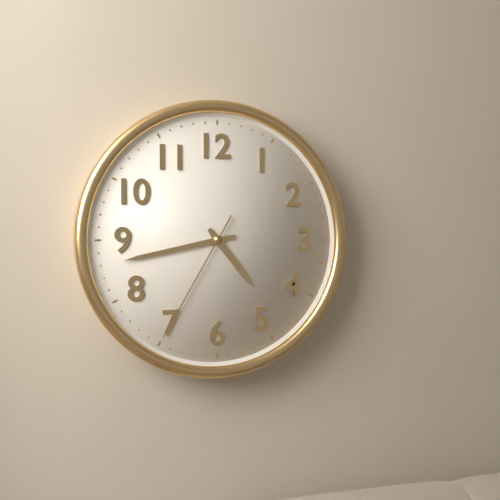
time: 4:43:35
